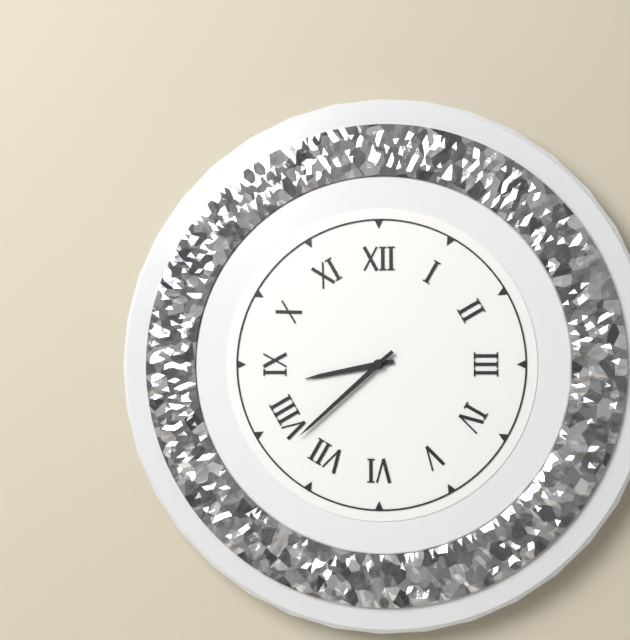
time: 8:38
